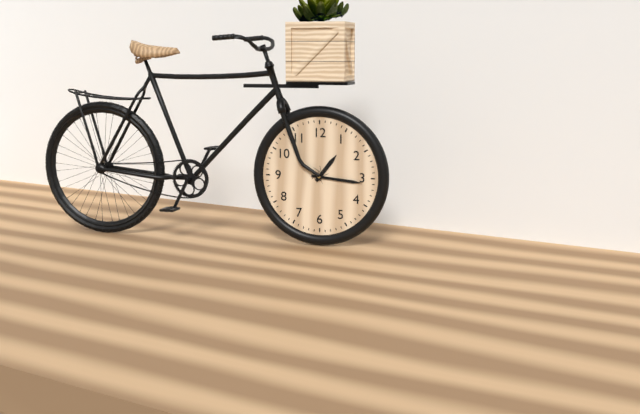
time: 1:16
